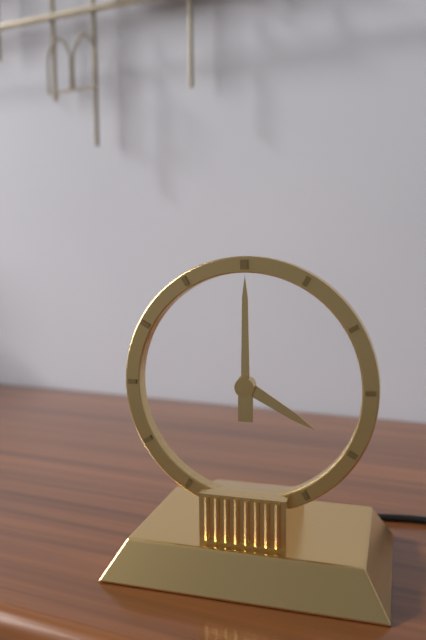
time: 4:00
